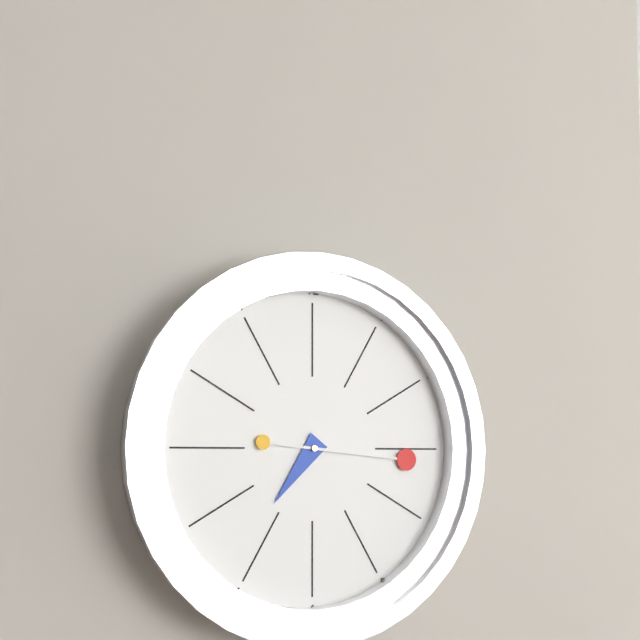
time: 7:16
